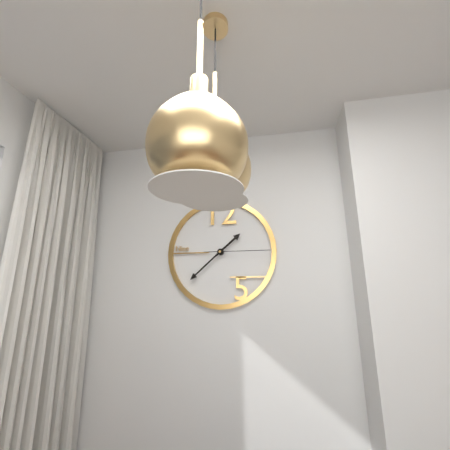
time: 1:38:15
